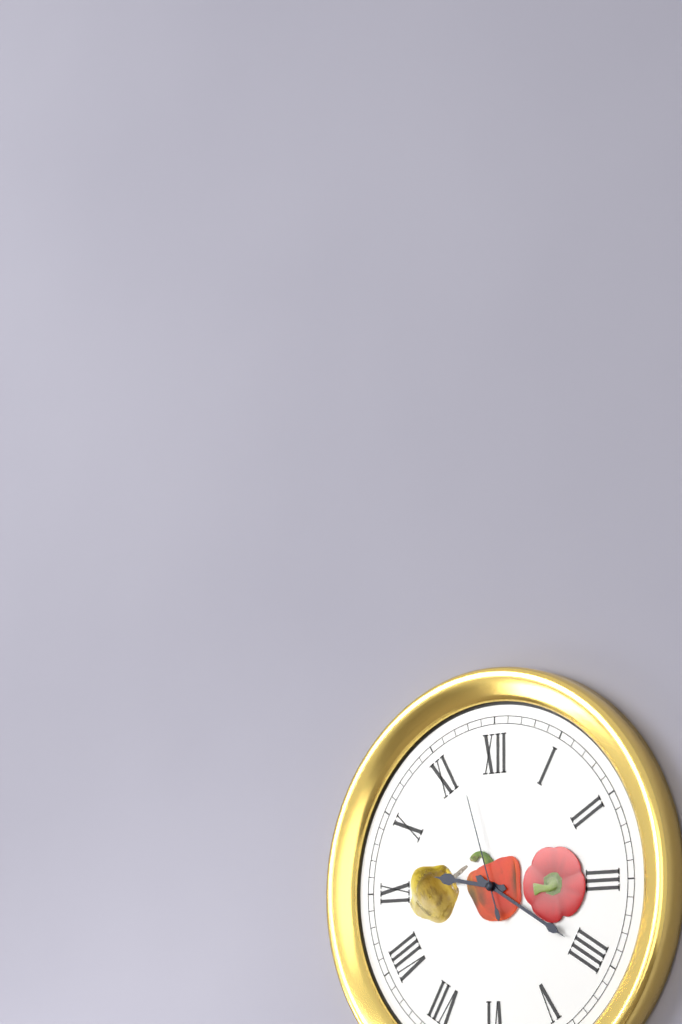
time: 9:20:57
